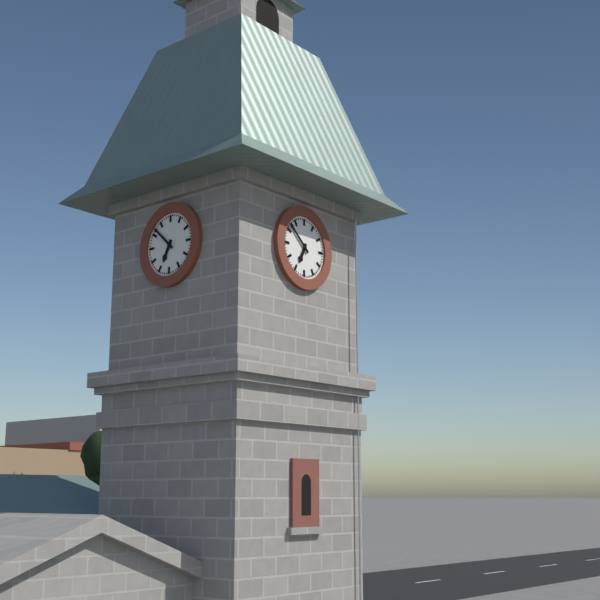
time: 6:52
